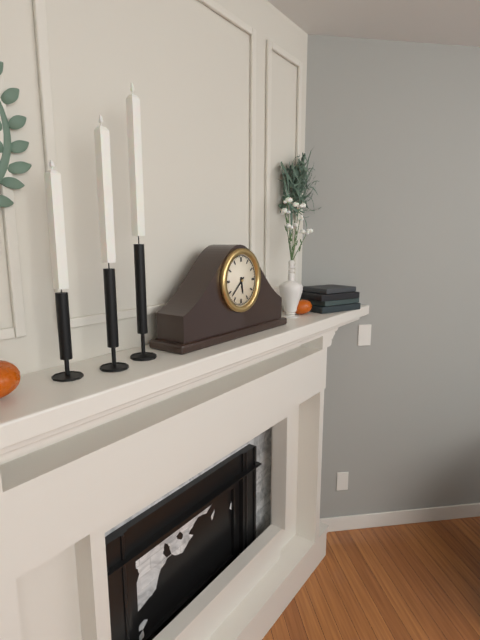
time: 5:38
